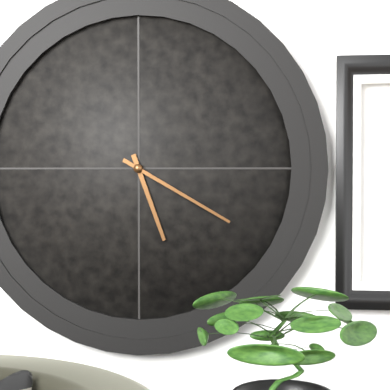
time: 5:20
